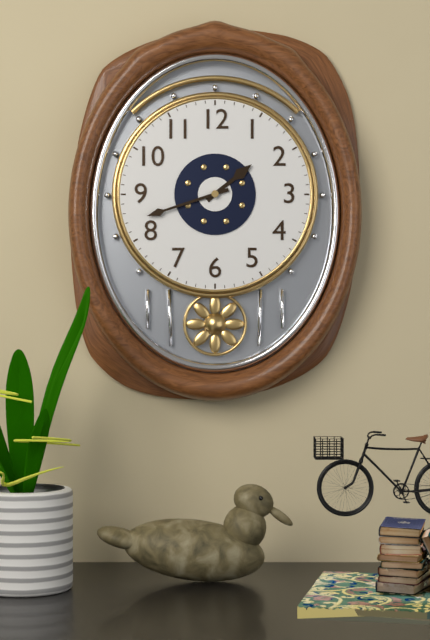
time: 1:42
